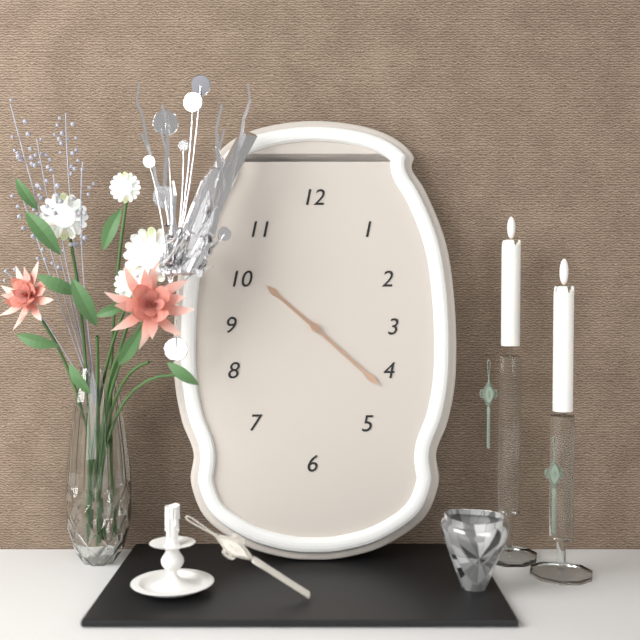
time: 10:22
